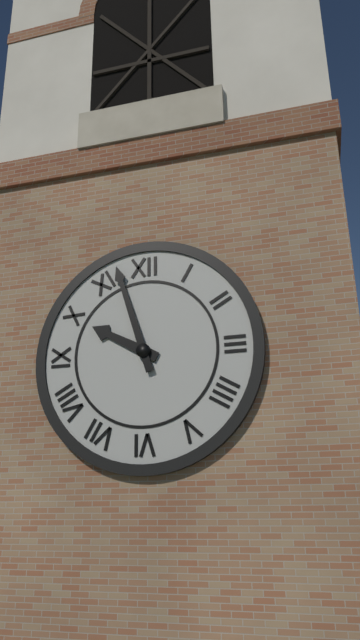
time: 9:57
